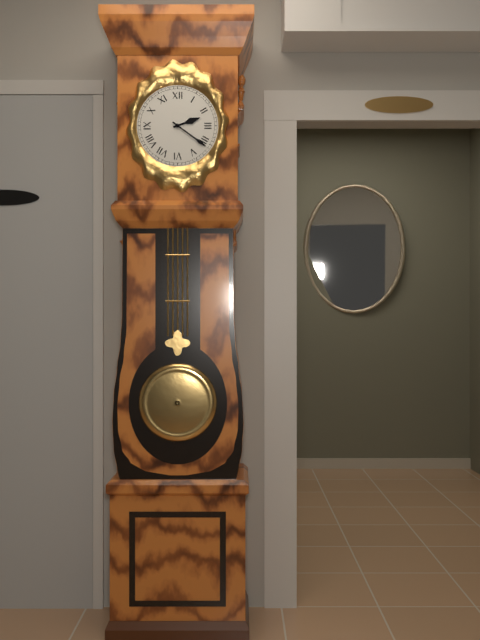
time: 2:21
